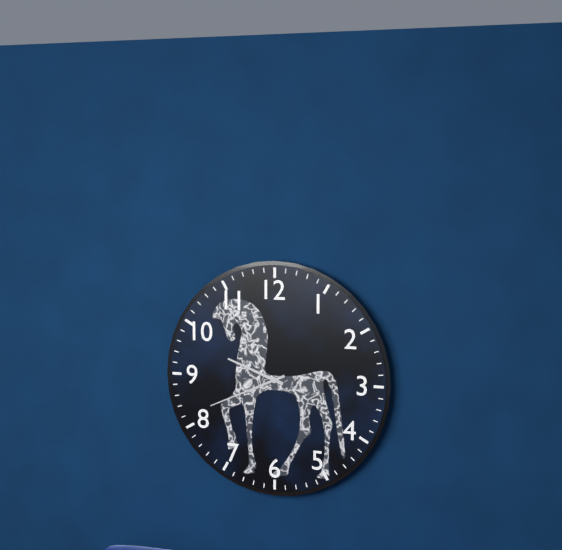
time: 9:41
